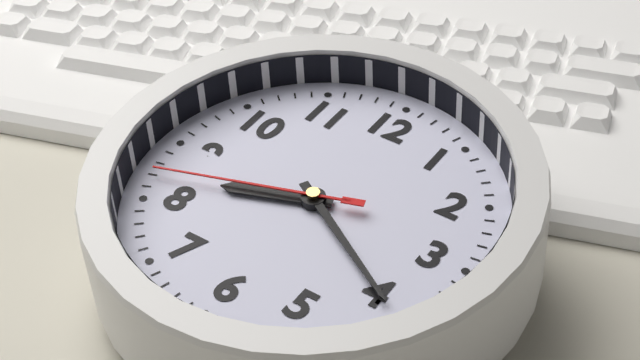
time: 8:20:42
